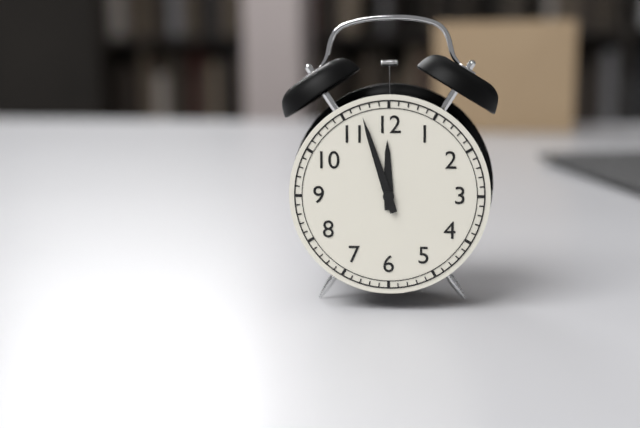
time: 11:57
